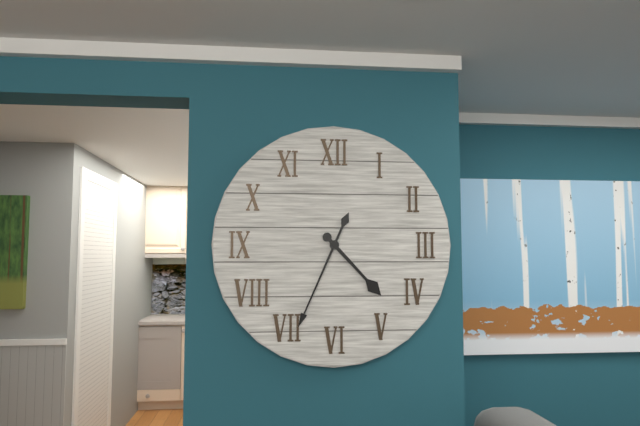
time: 4:34
